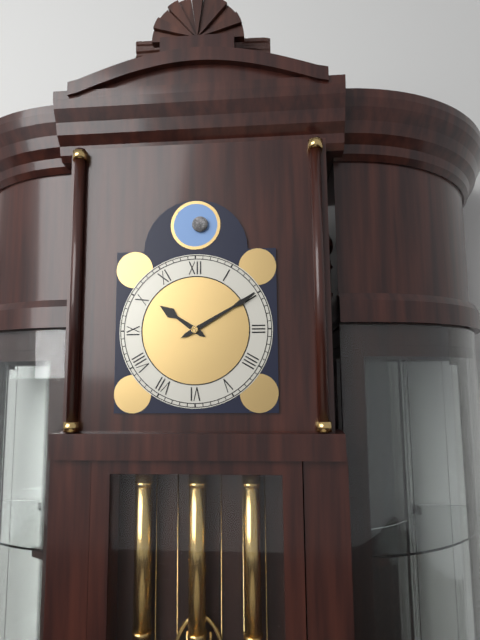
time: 10:10
